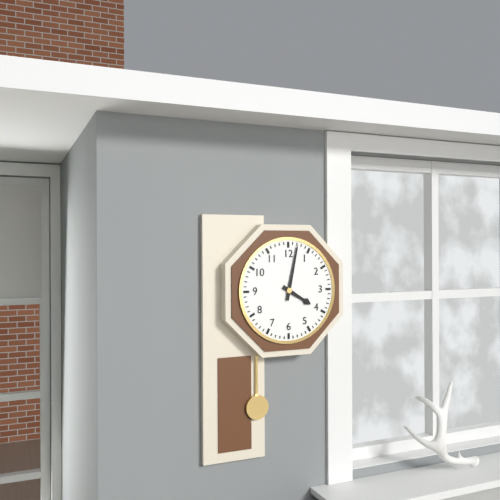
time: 4:02
